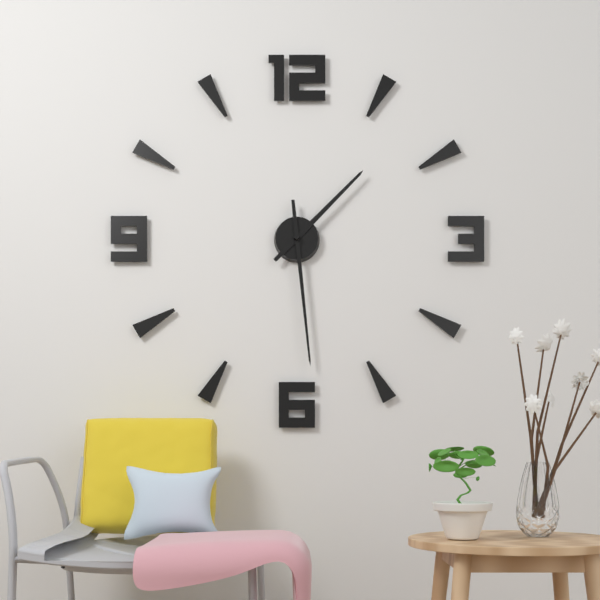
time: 1:29
